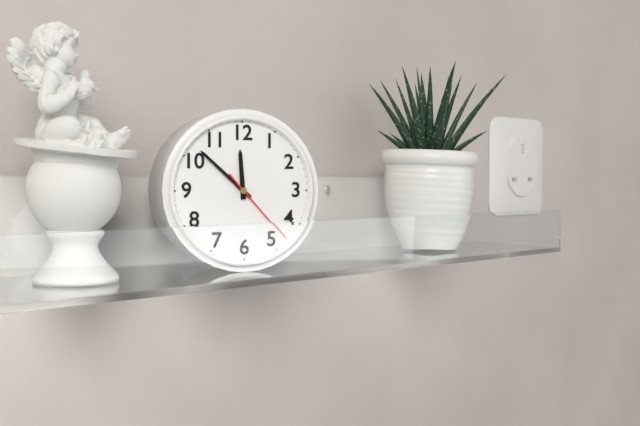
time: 11:52:23
